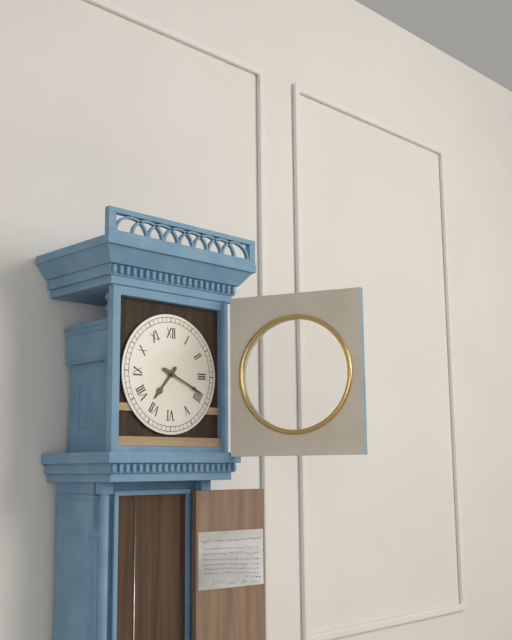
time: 7:19
